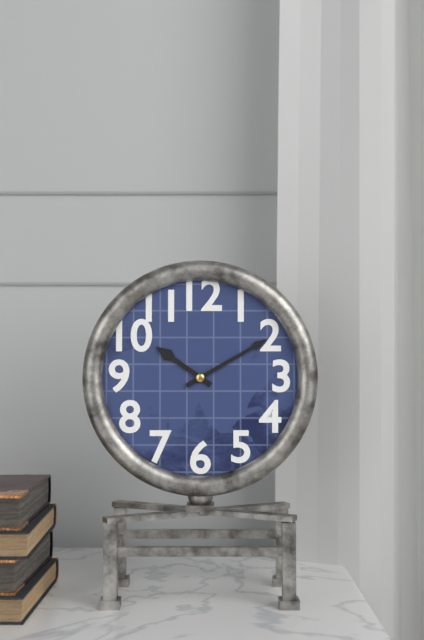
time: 10:10
